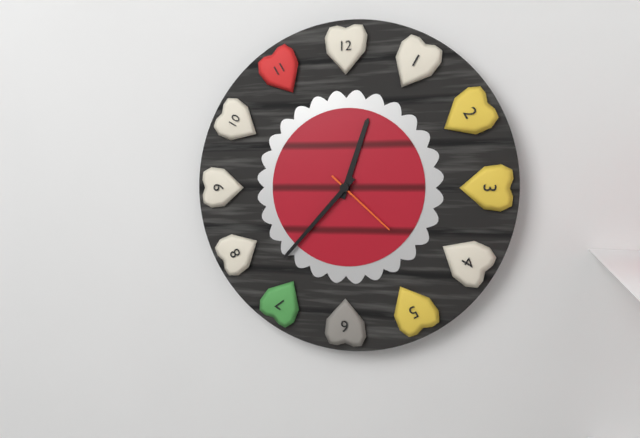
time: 12:37:22
